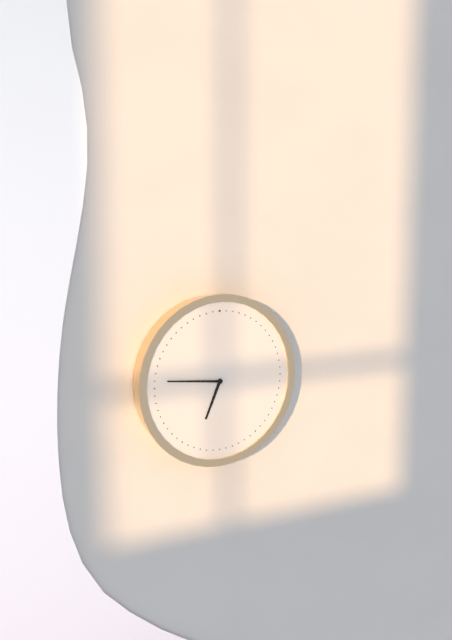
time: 6:46
